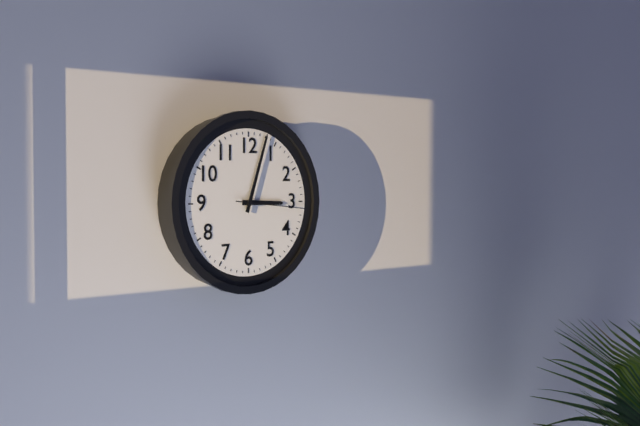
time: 3:03:16
